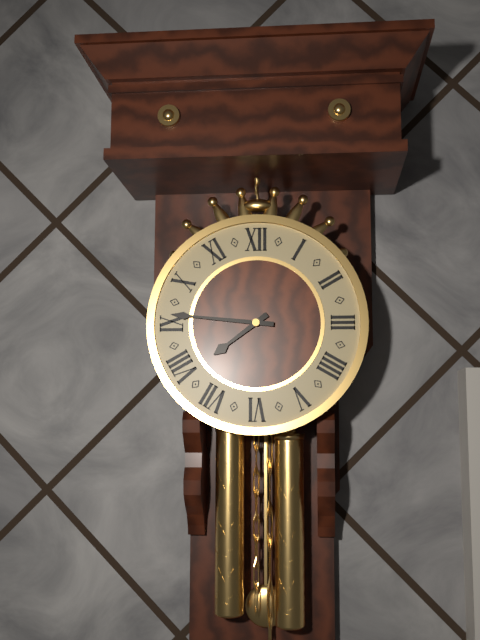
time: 7:46
